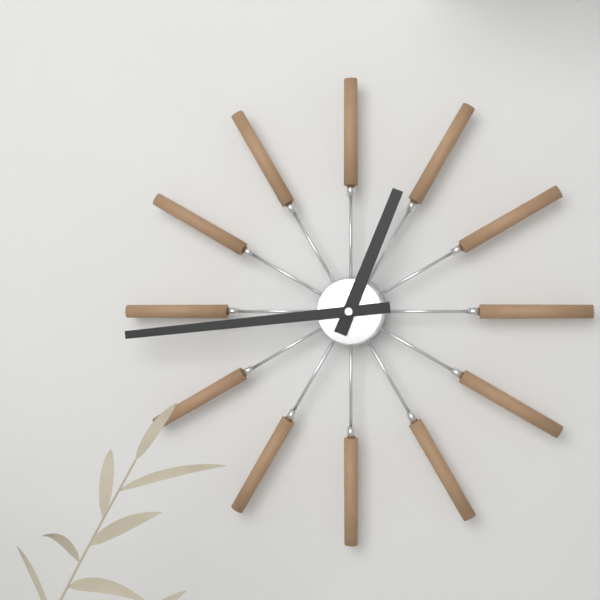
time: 12:44
